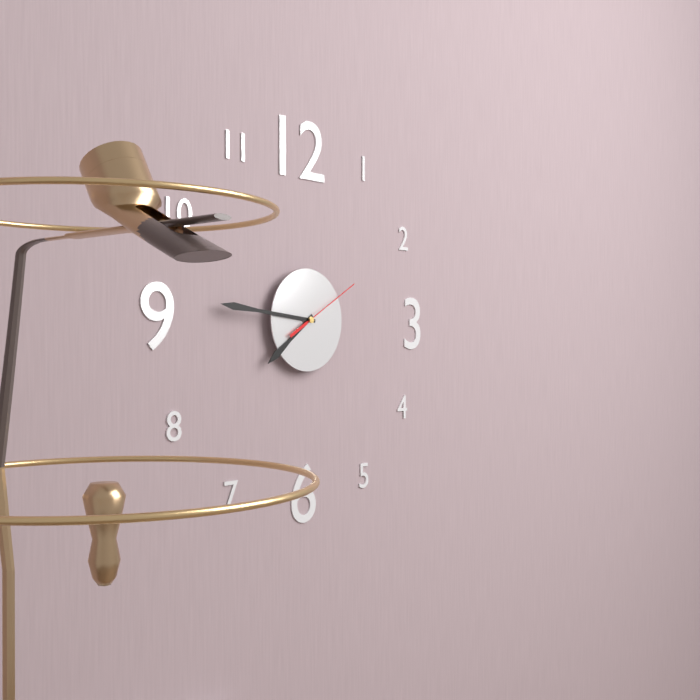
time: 7:46:10
